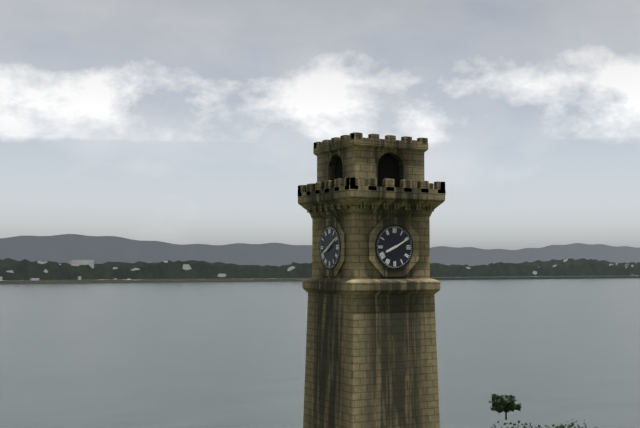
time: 8:10
